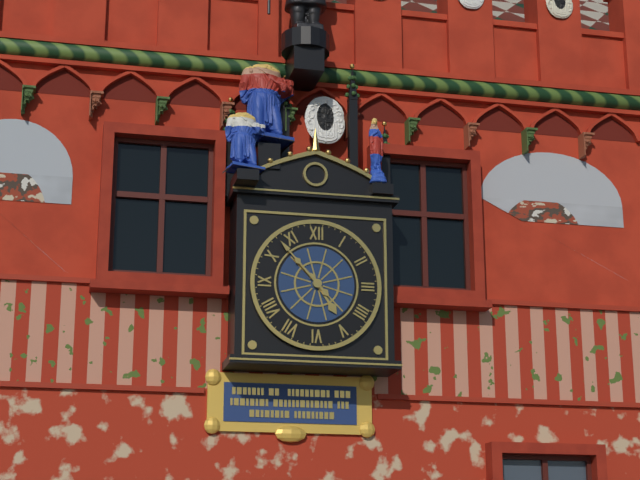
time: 4:53
